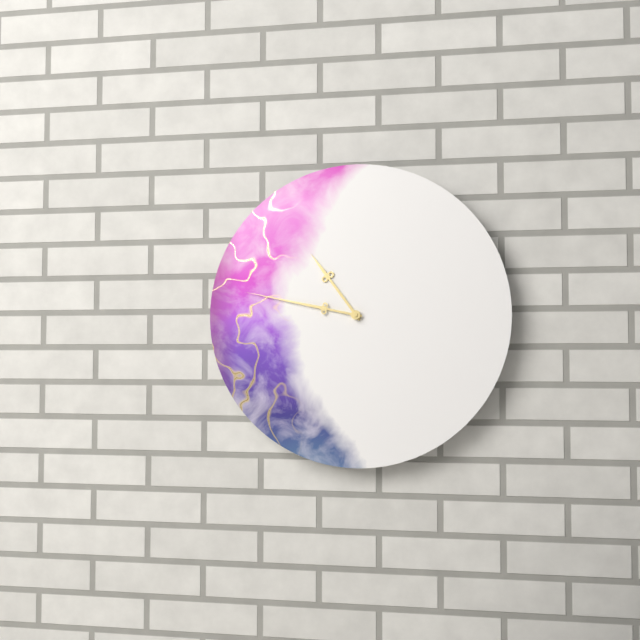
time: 10:47
